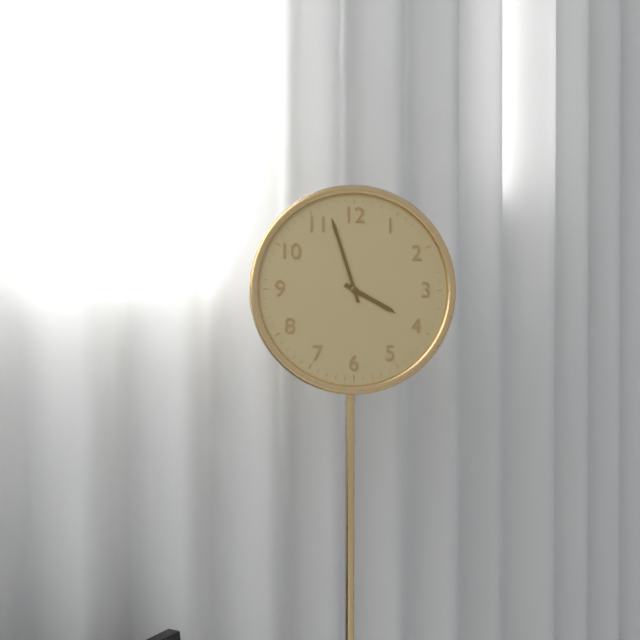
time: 3:57
